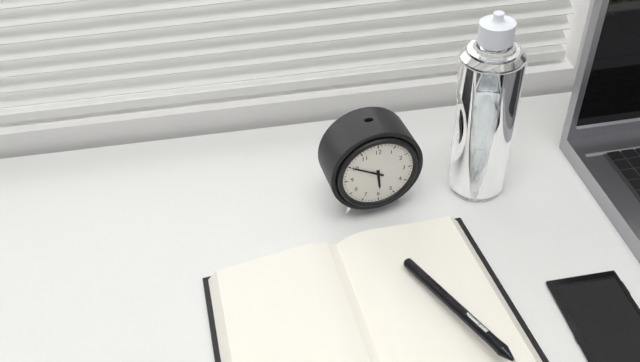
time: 5:50
